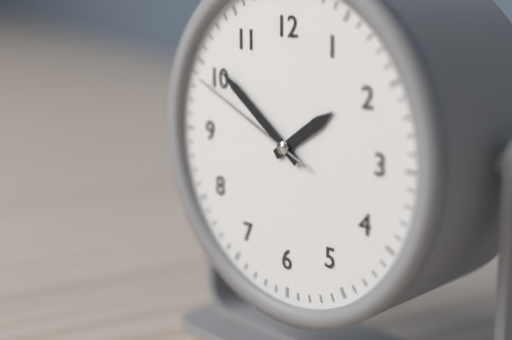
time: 1:51:49
